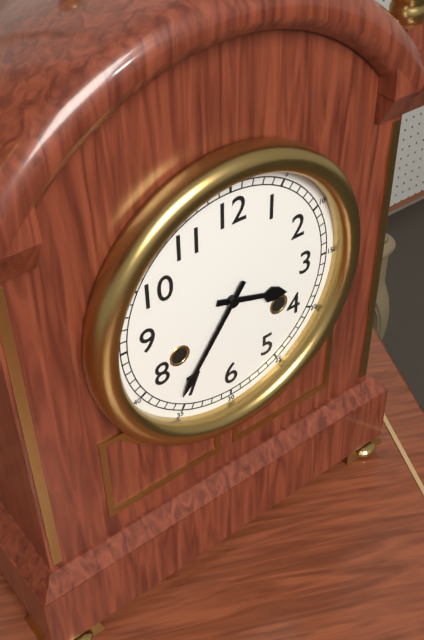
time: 3:36
